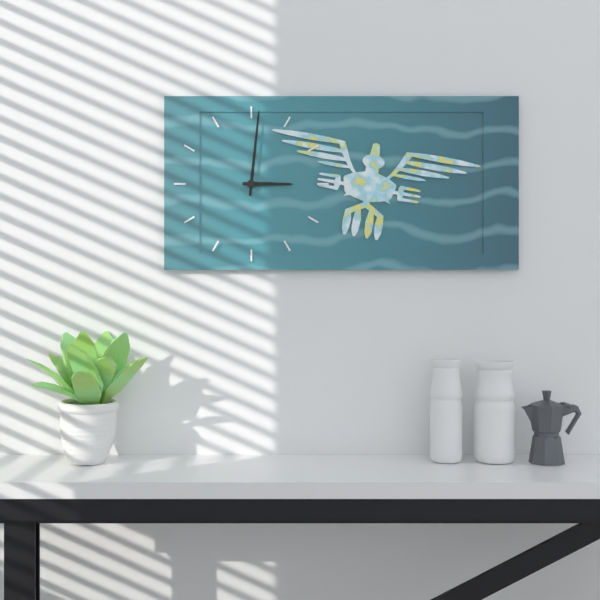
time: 3:01
